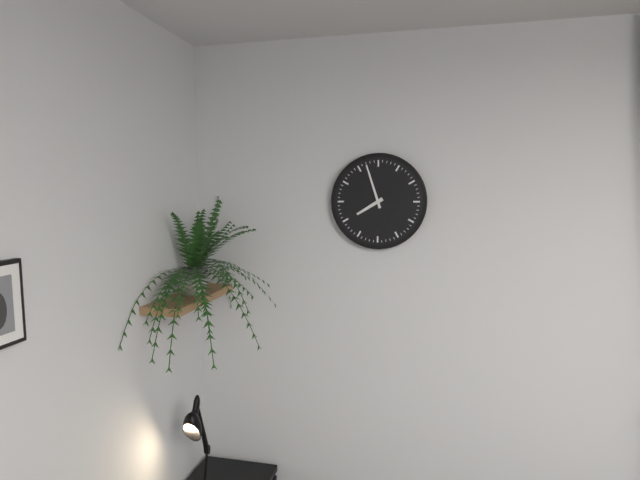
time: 7:57
